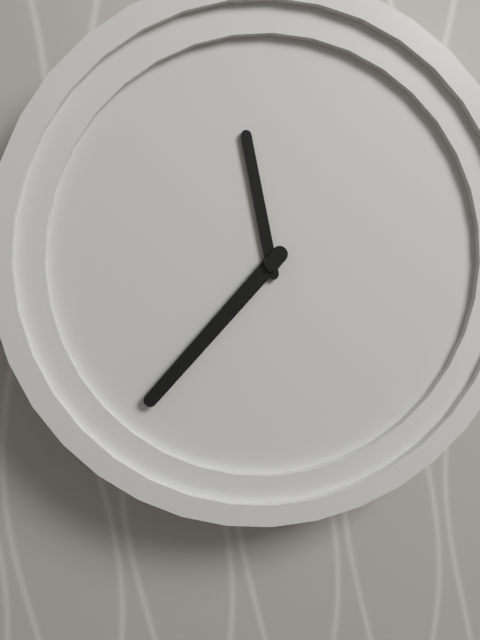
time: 11:37
